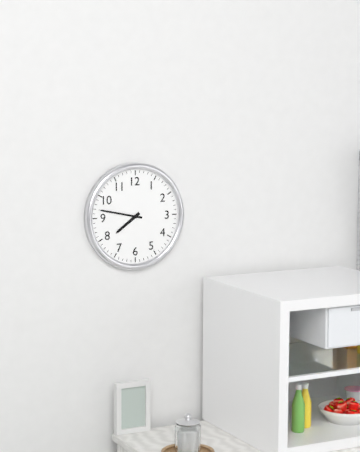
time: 7:47
